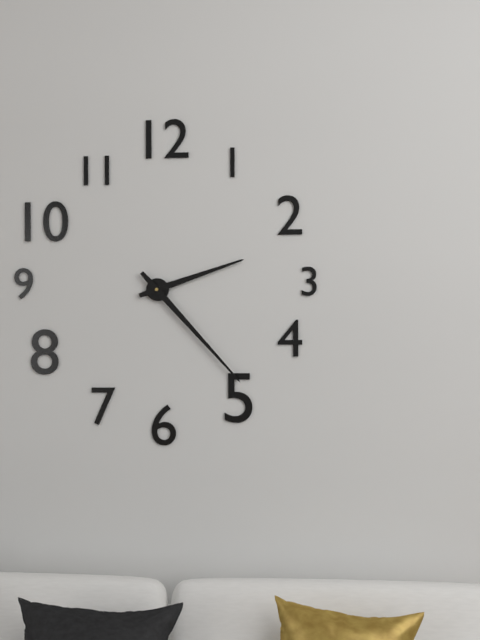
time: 2:23
